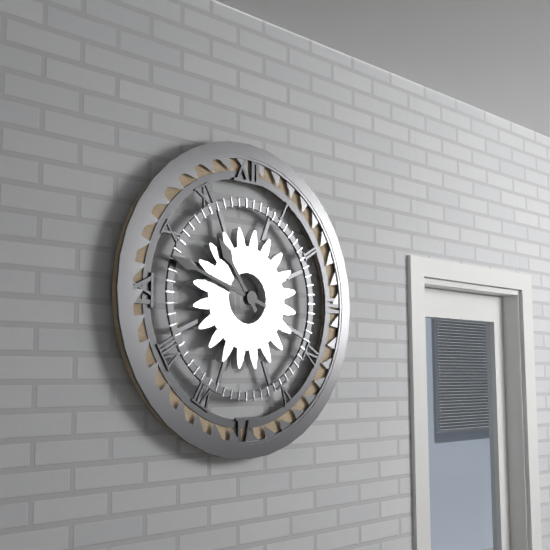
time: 10:48
